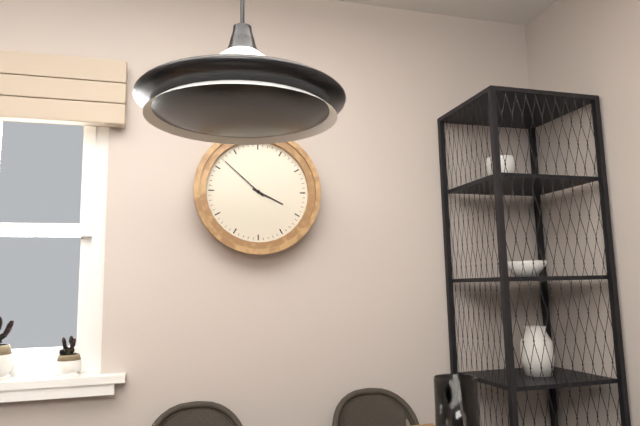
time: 3:52
